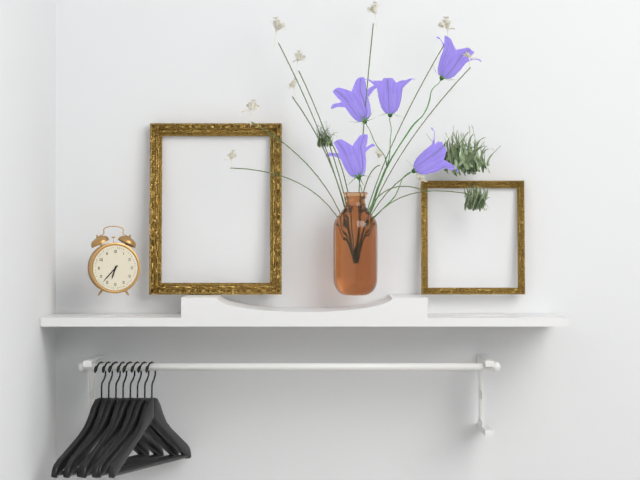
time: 6:37
